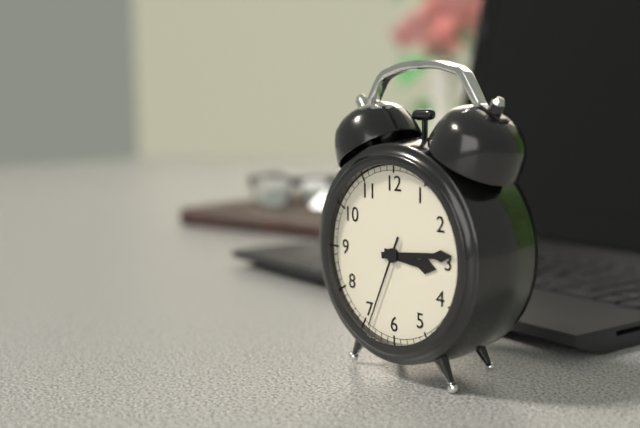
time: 3:14:34
